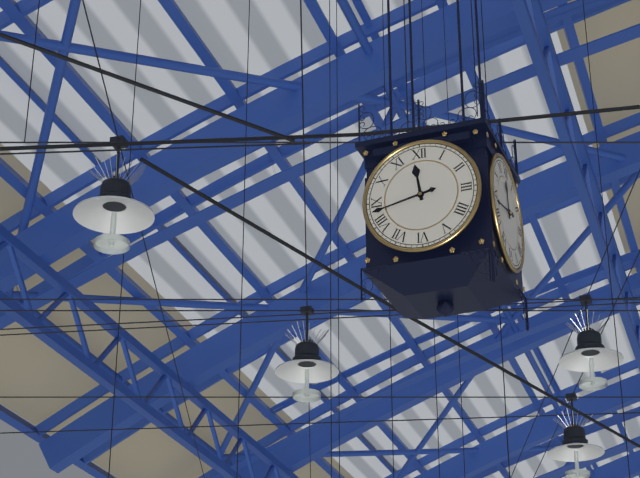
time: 11:43
